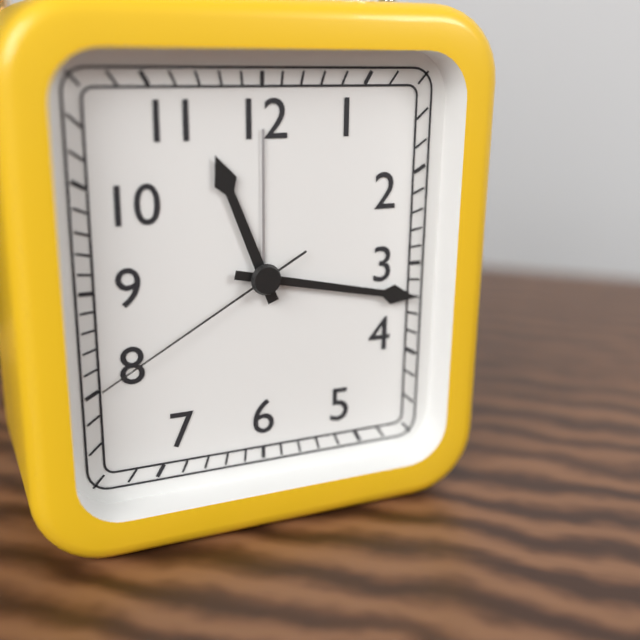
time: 11:17:40
